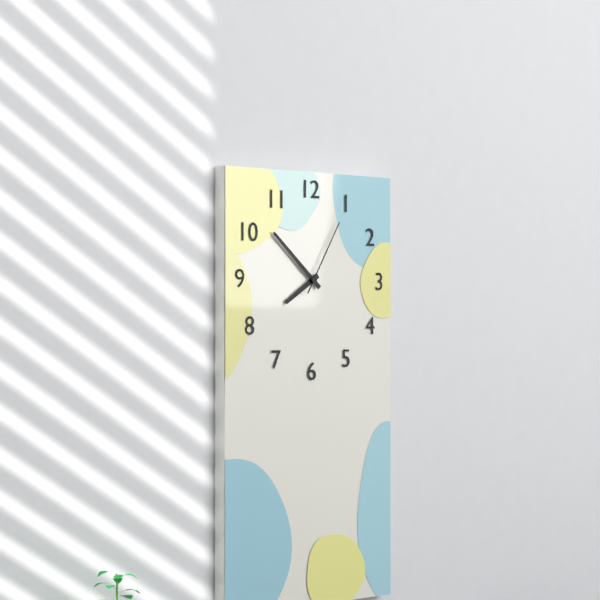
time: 7:52:05
